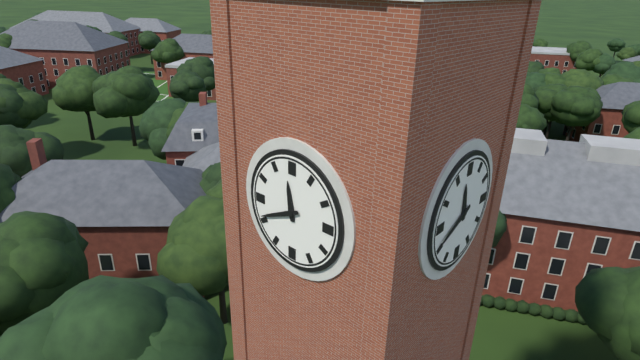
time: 11:41
